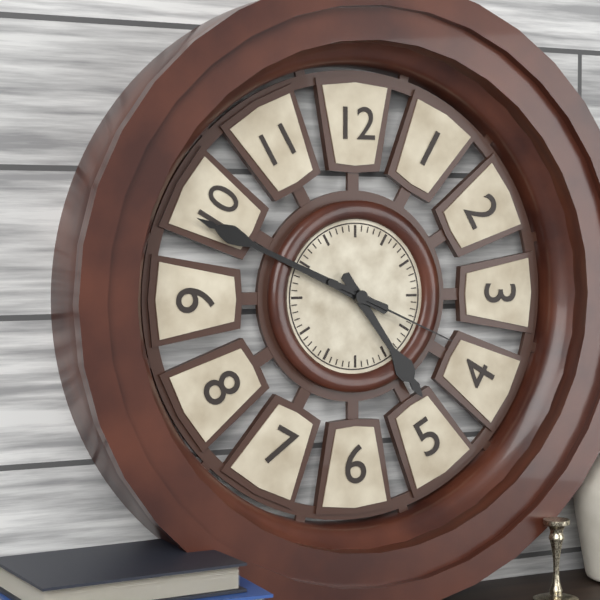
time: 4:49:19
